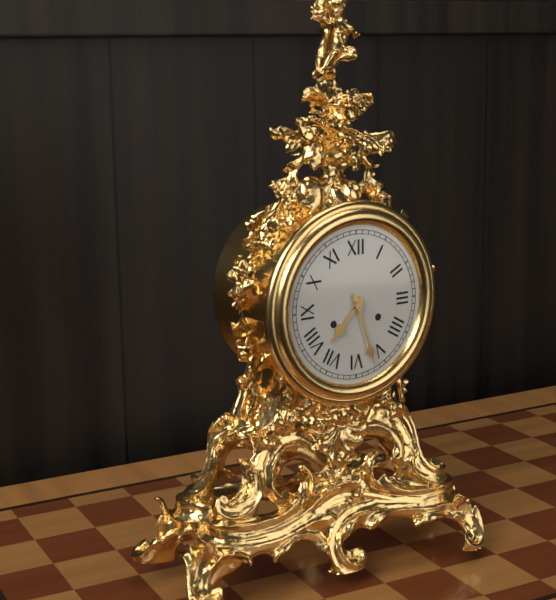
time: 7:27
